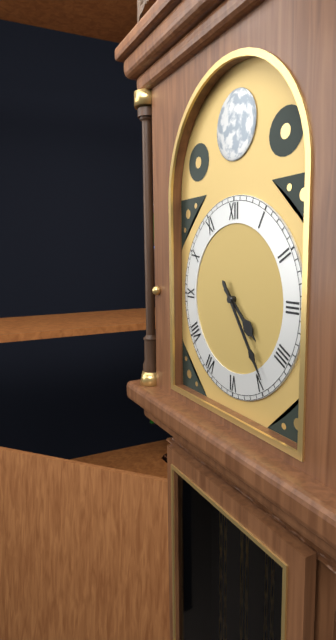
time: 4:24
